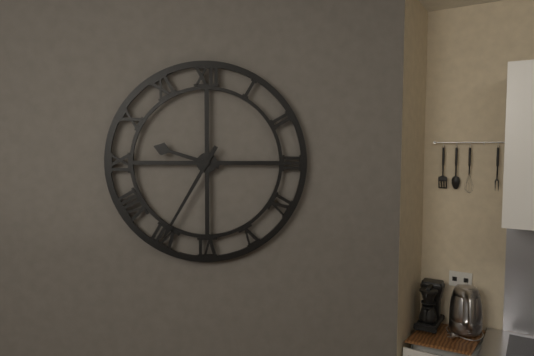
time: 9:35
